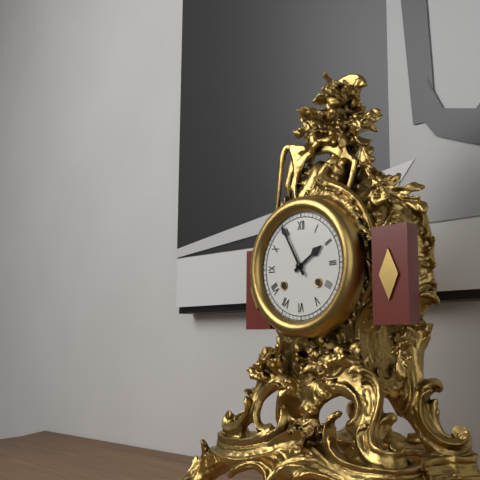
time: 1:55
